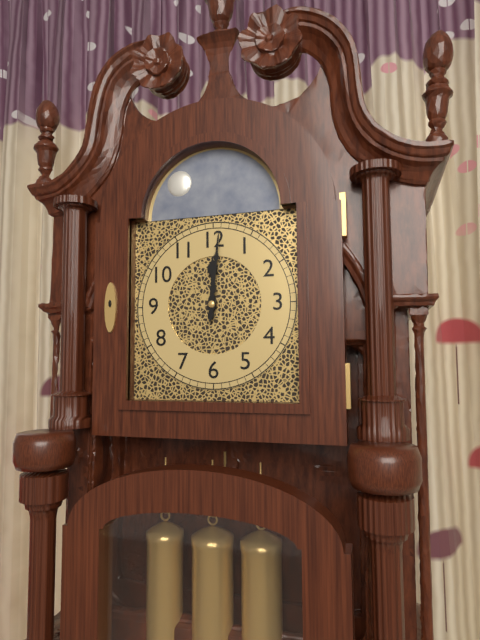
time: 12:01
